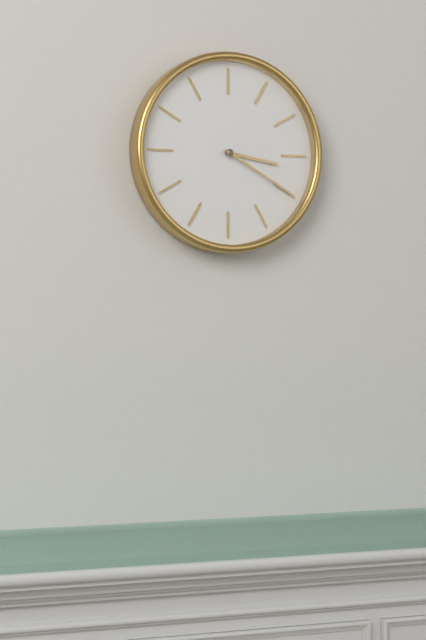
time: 3:20
